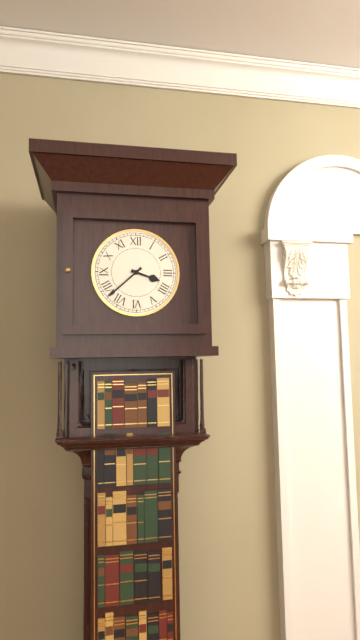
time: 3:38
